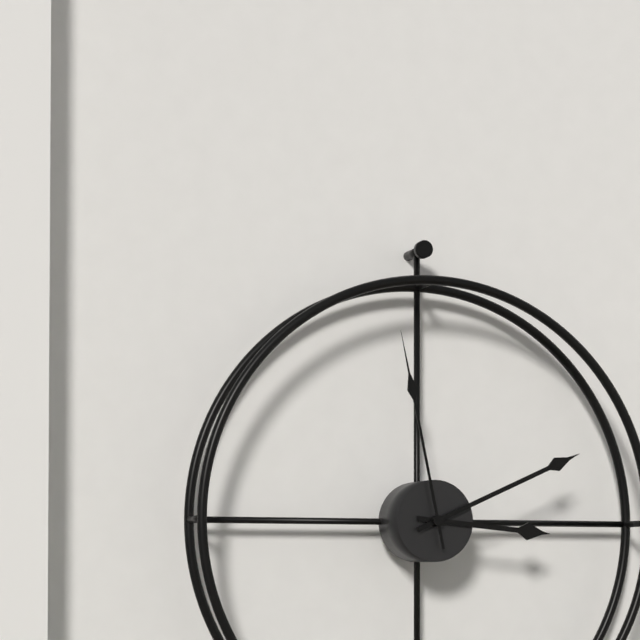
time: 3:11:58
